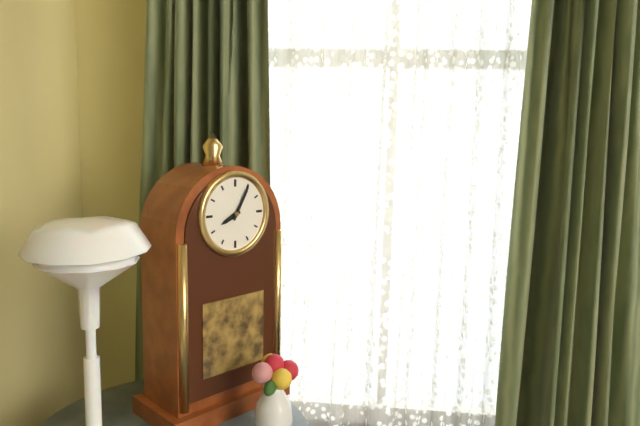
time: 8:05
